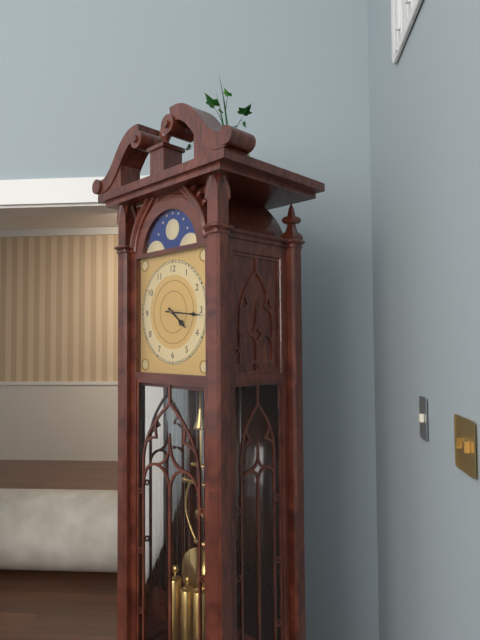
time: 4:16
